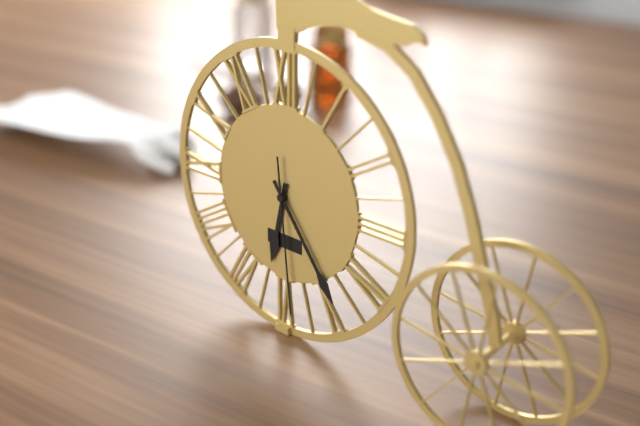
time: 6:24:29
